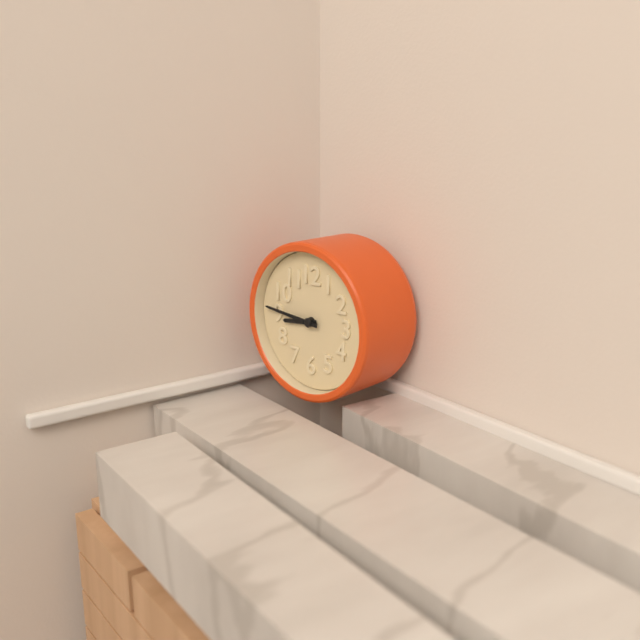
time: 8:46
